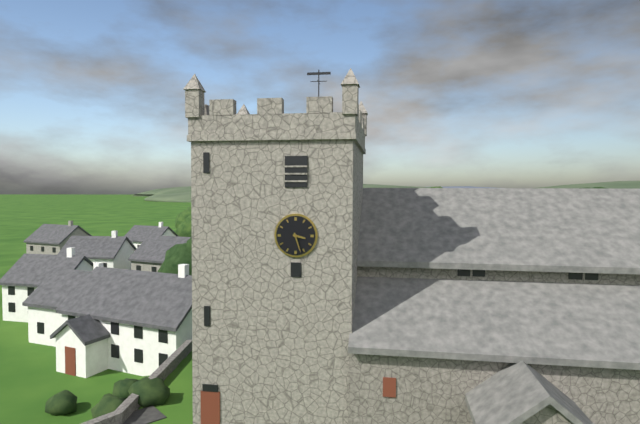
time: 3:27
